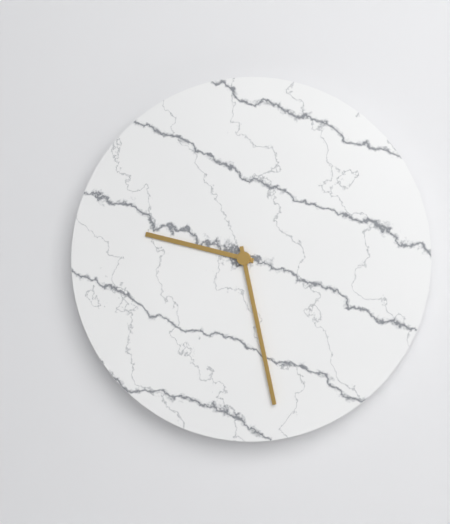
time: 9:28
